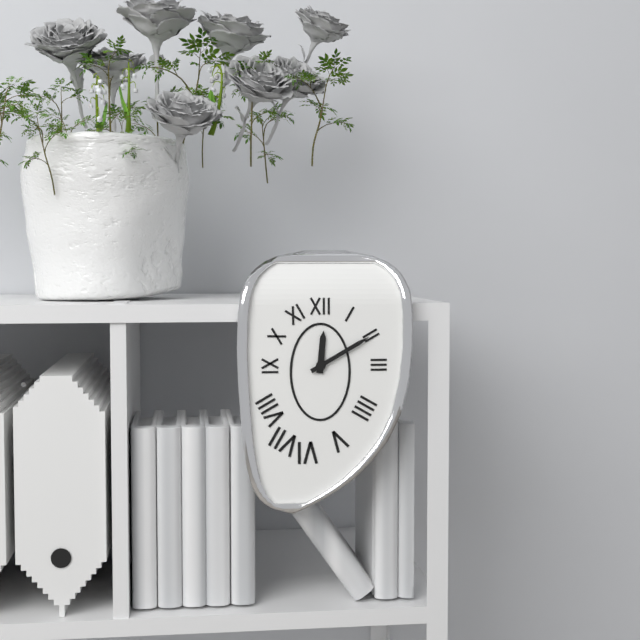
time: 12:10
